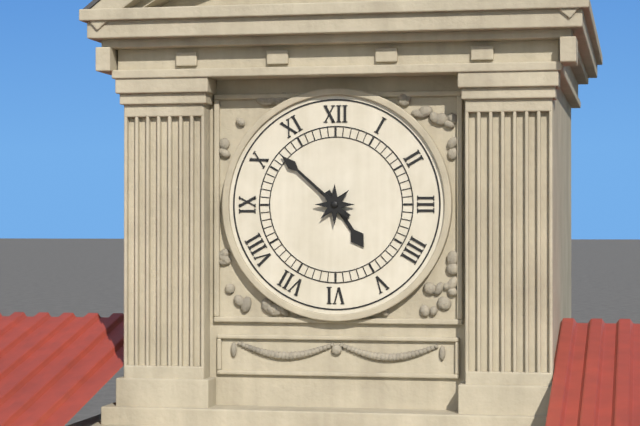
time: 4:52
